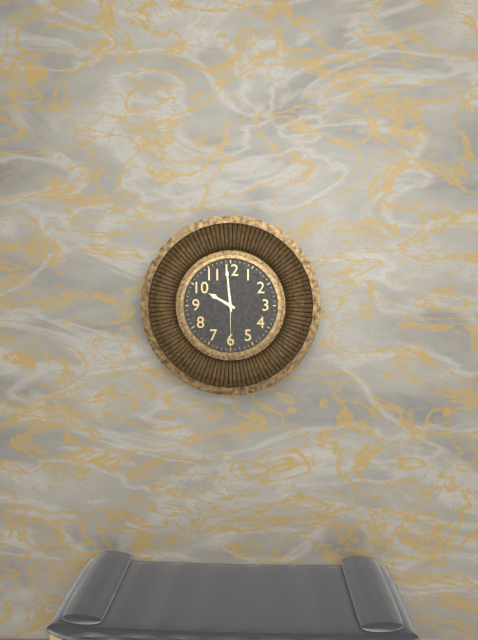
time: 9:59:30
